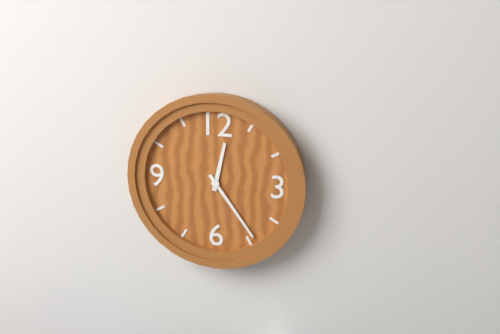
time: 12:24
